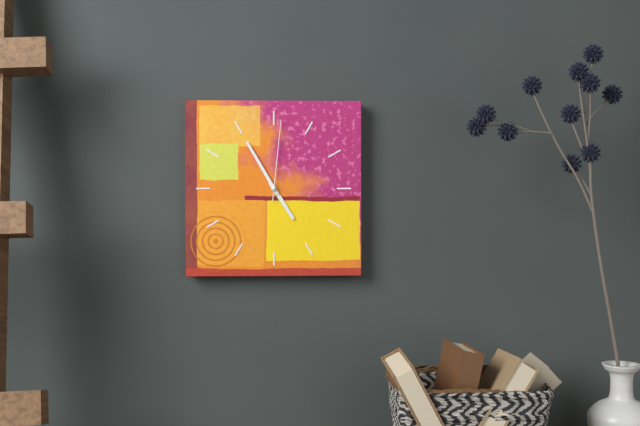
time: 4:55:01
